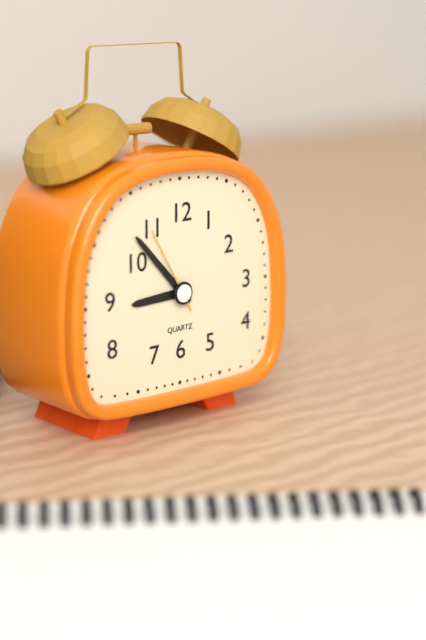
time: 8:53:55
